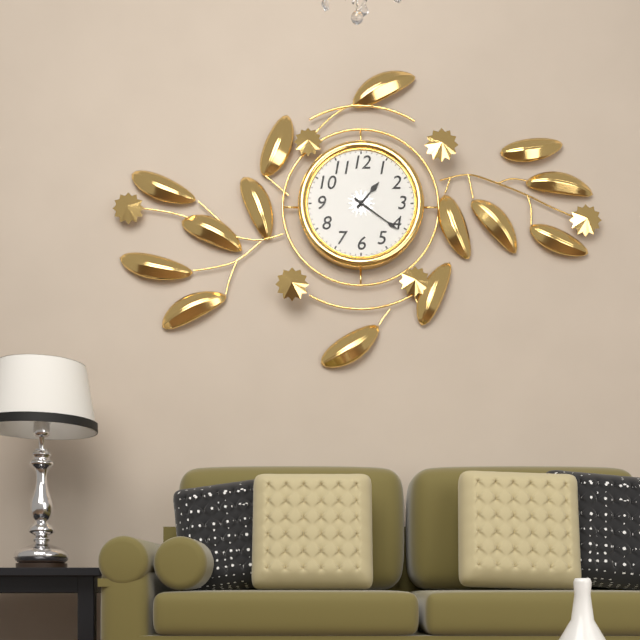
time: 1:21
